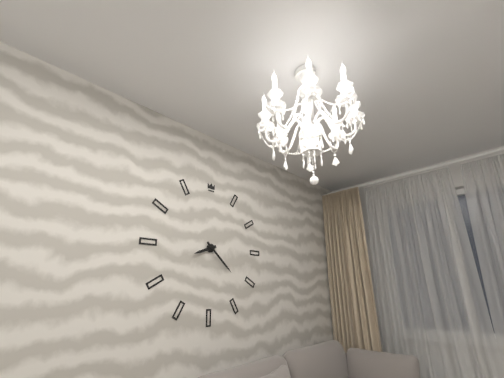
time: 8:22
